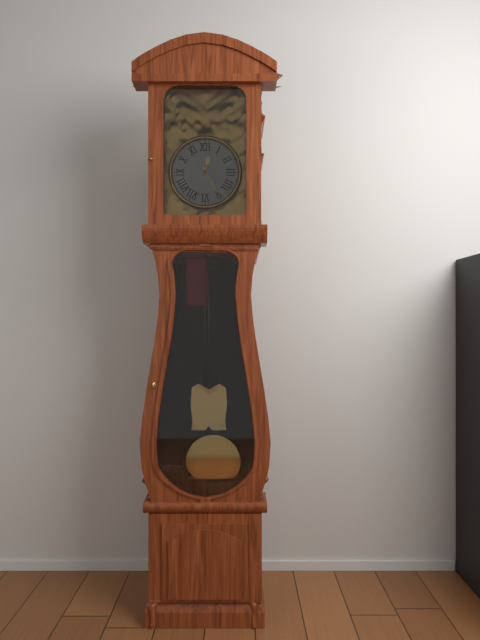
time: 12:25
